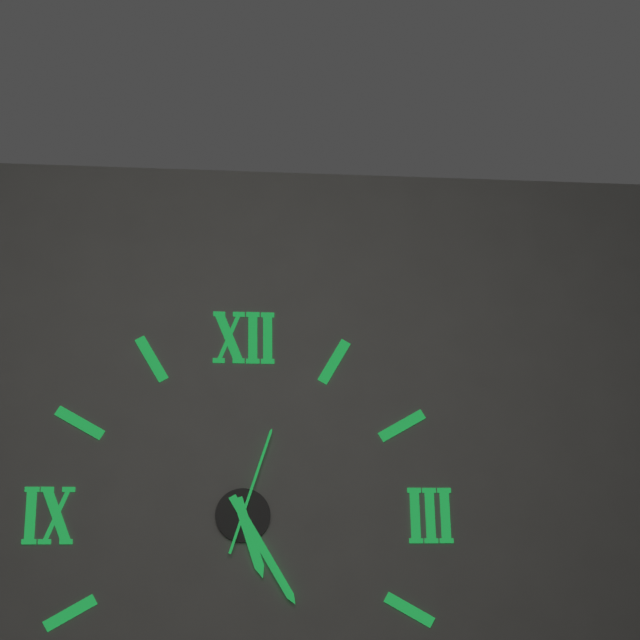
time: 5:25:03
